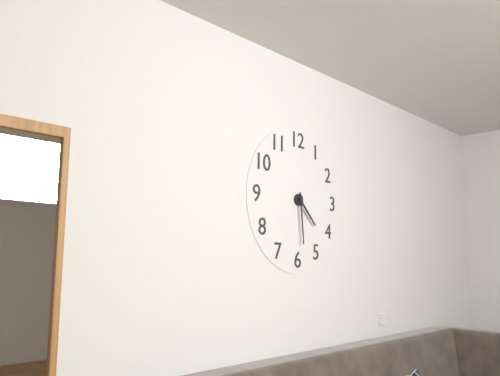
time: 4:29
